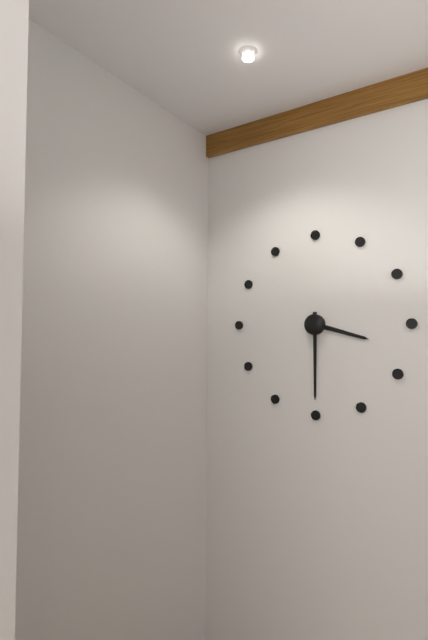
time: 3:30
